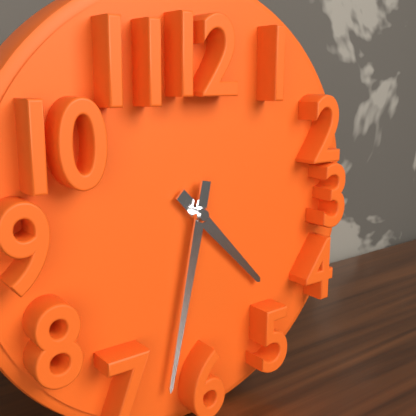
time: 4:32
